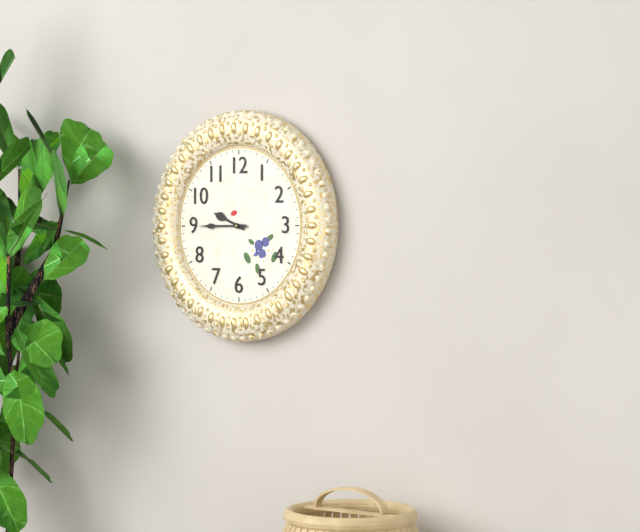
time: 9:45
